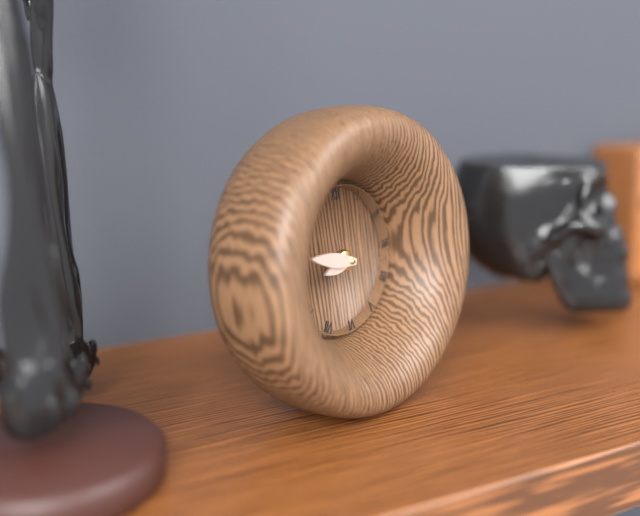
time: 8:48
